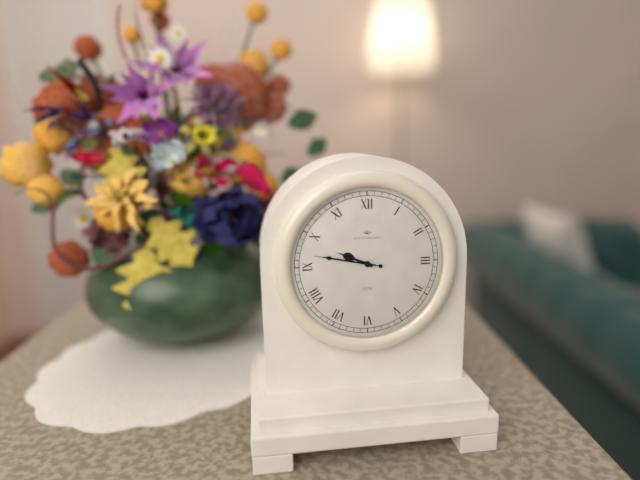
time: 9:47:47
